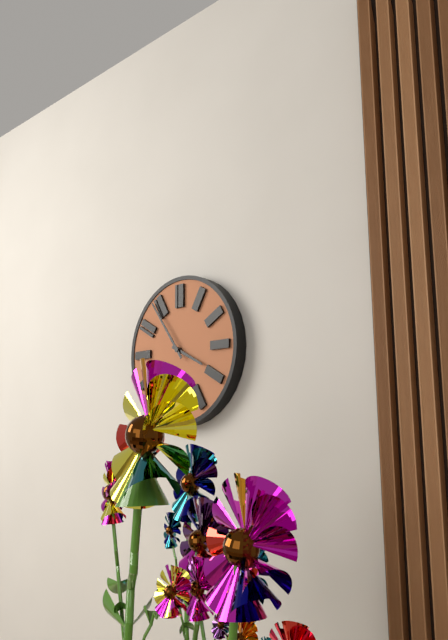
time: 3:54
